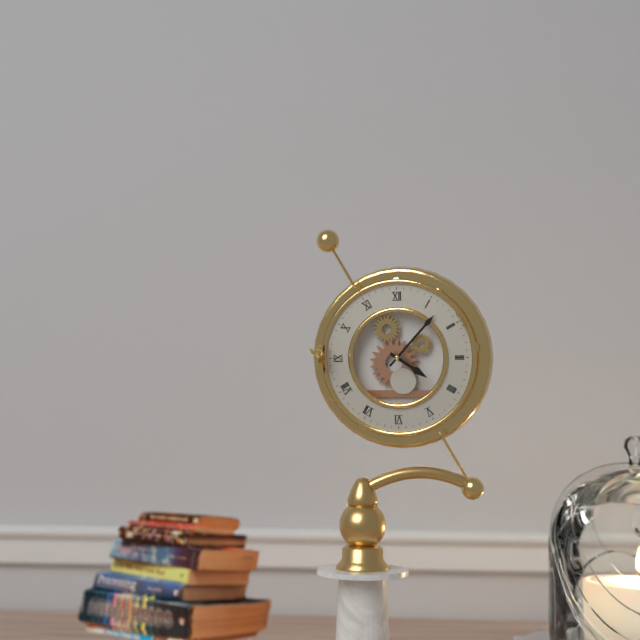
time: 4:07
